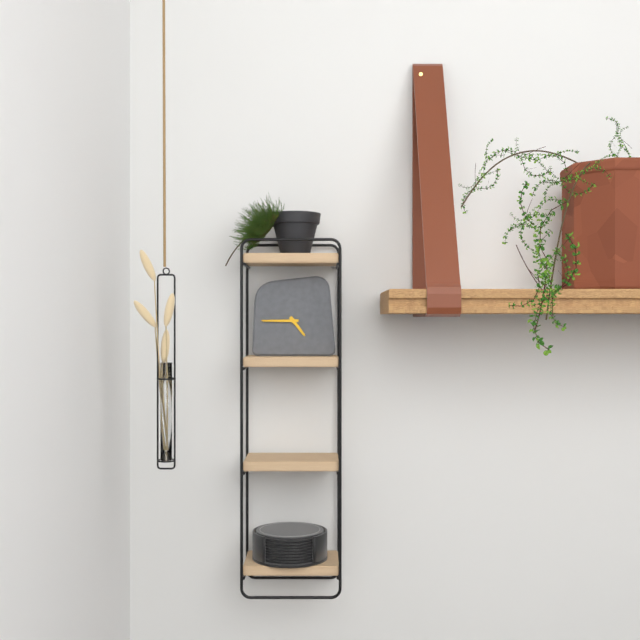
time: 4:45
